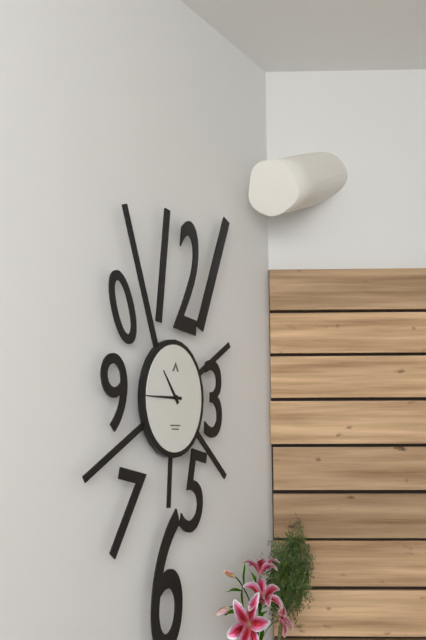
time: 10:45
